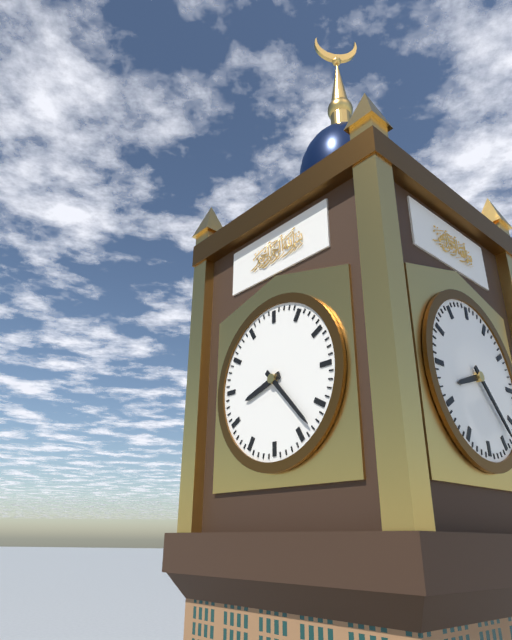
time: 8:23
